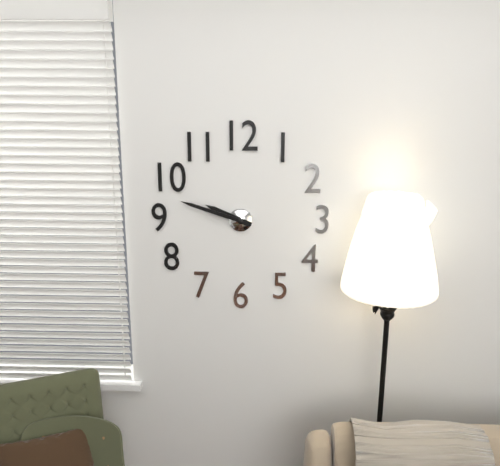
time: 9:48
